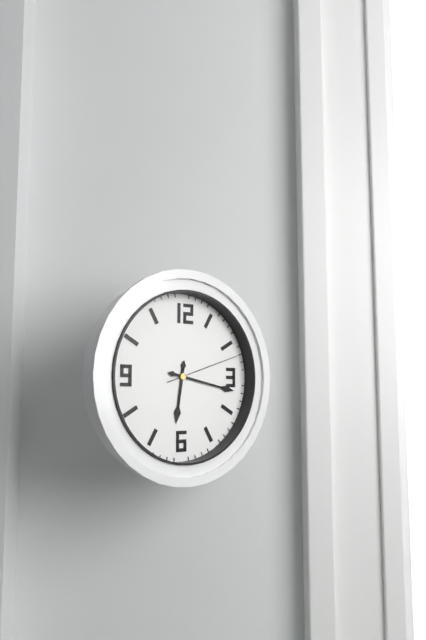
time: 6:17:12
